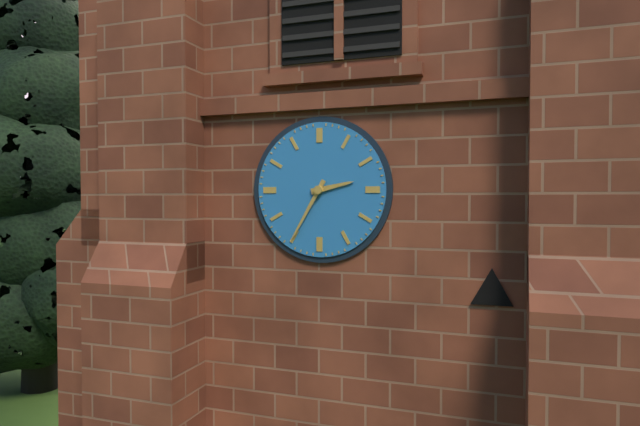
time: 2:35
